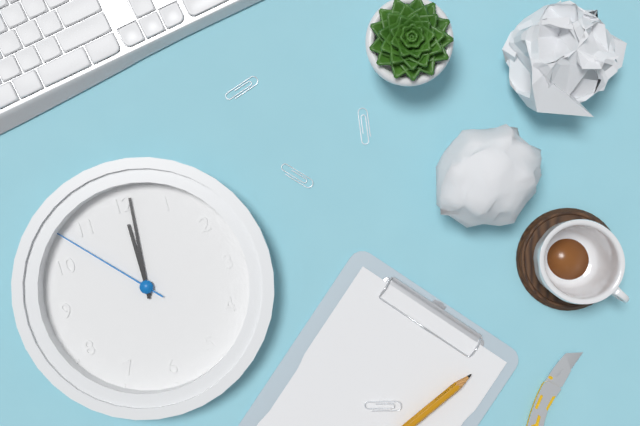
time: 12:01:53
